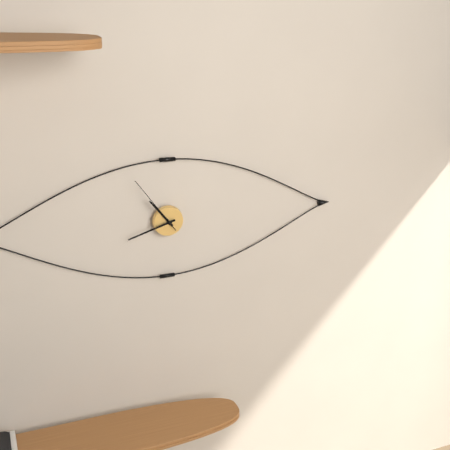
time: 10:42:54
